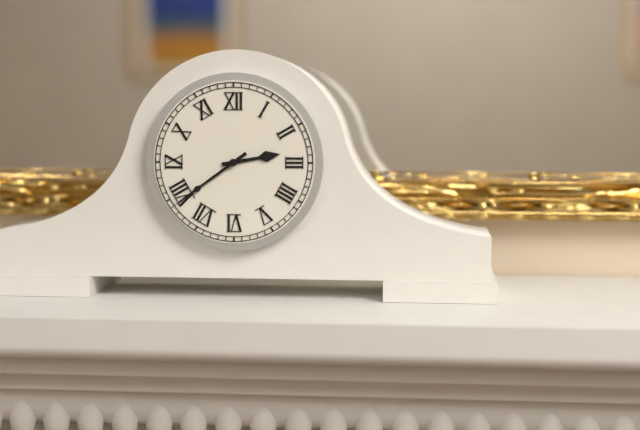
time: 2:39
